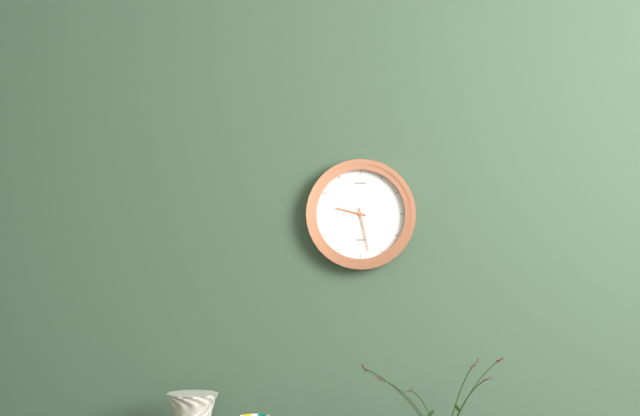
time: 9:28
